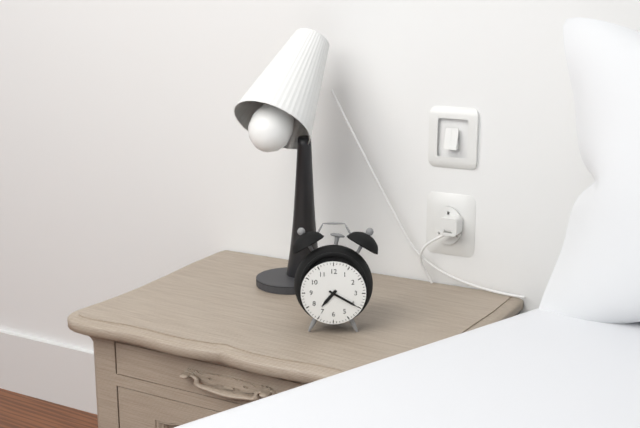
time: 7:20
